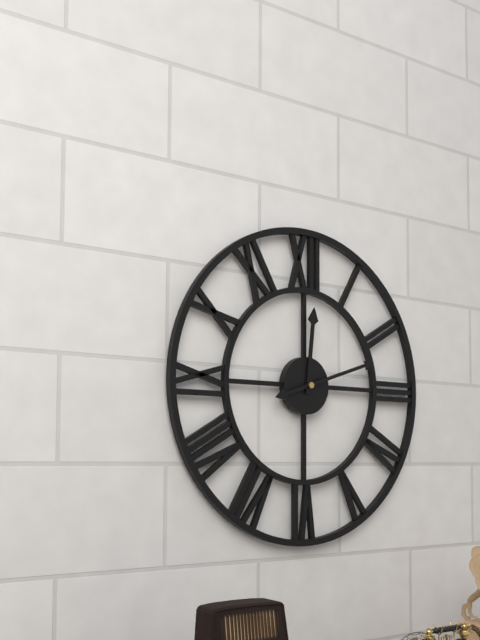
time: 12:12
